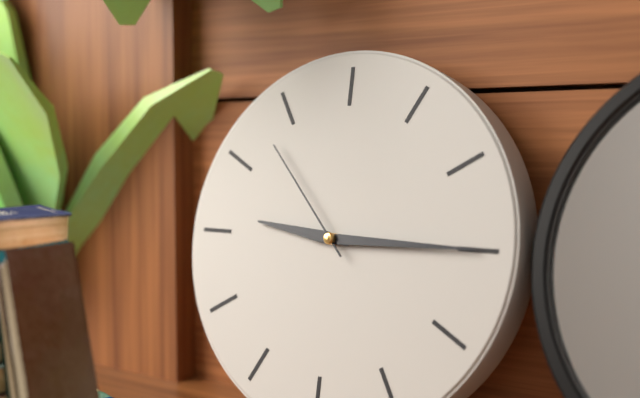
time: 9:15:53
